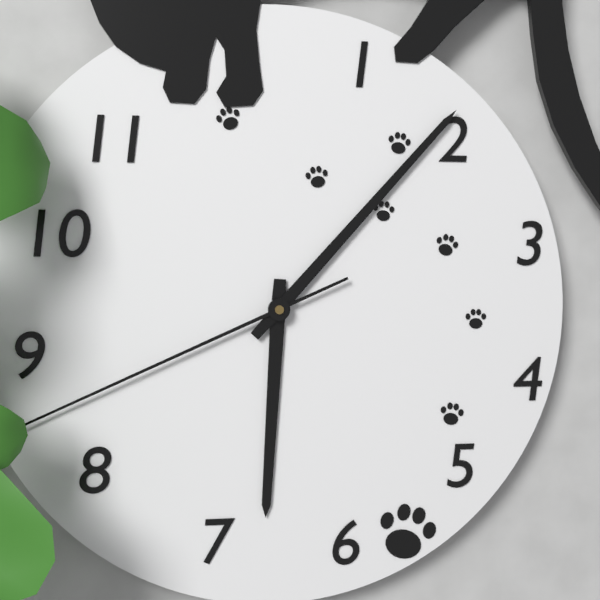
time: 6:07
